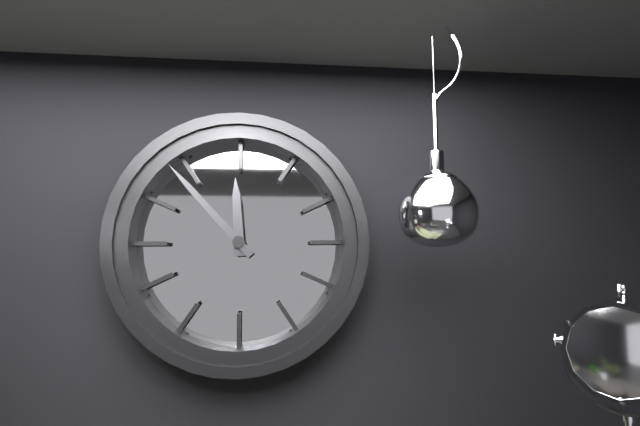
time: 11:53
